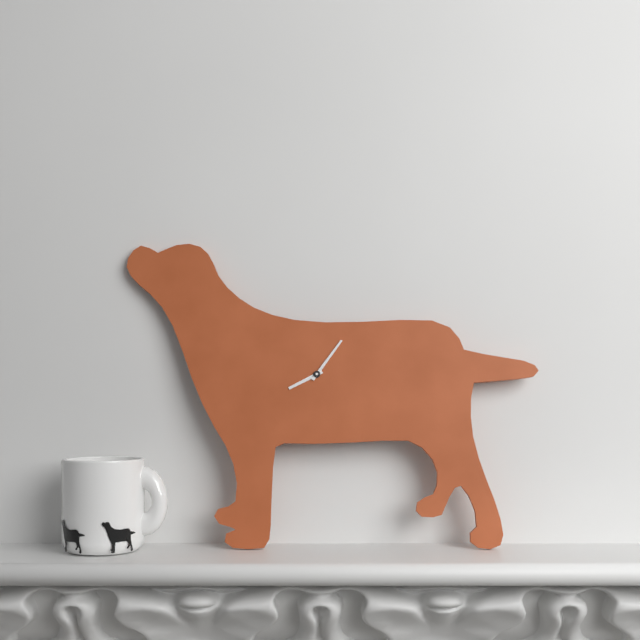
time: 8:06
